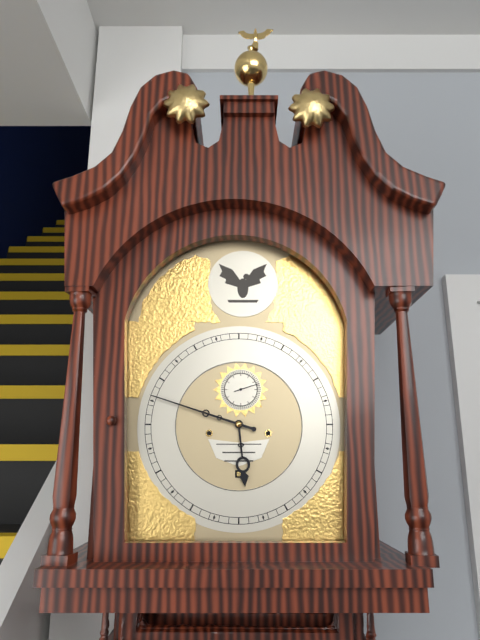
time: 5:48
